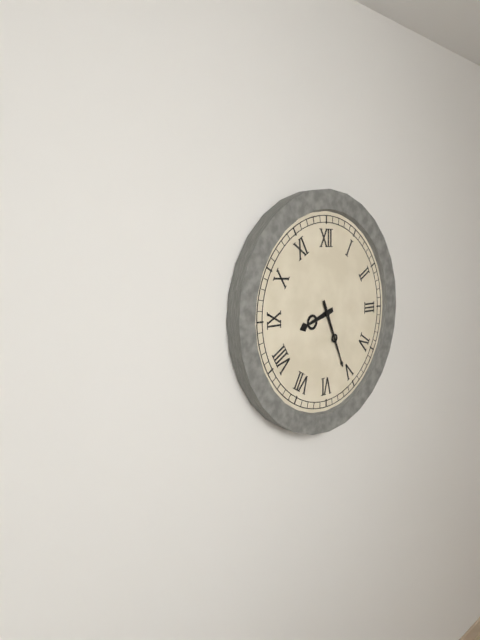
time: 8:26
